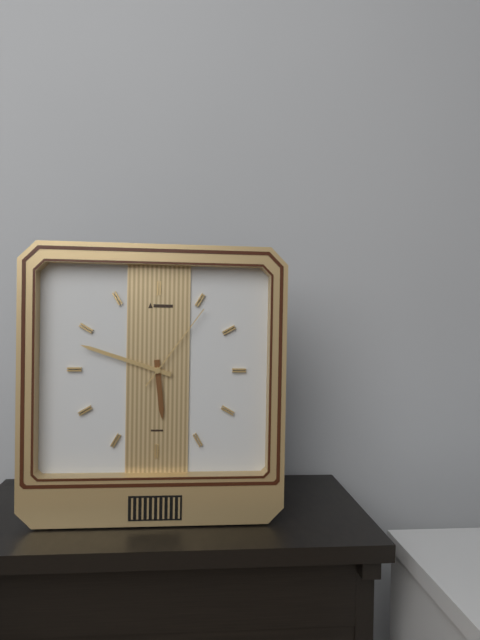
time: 5:48:06
